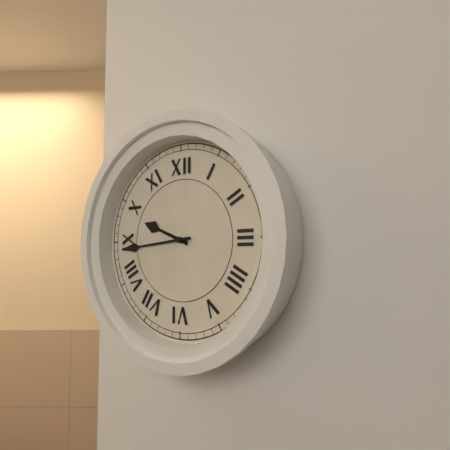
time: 9:44
